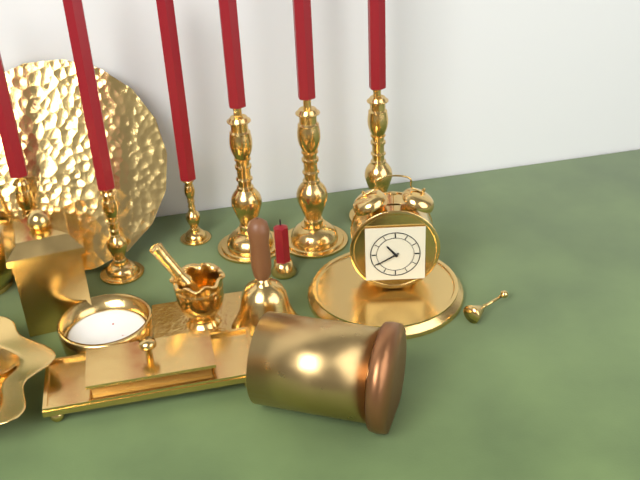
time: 10:40
